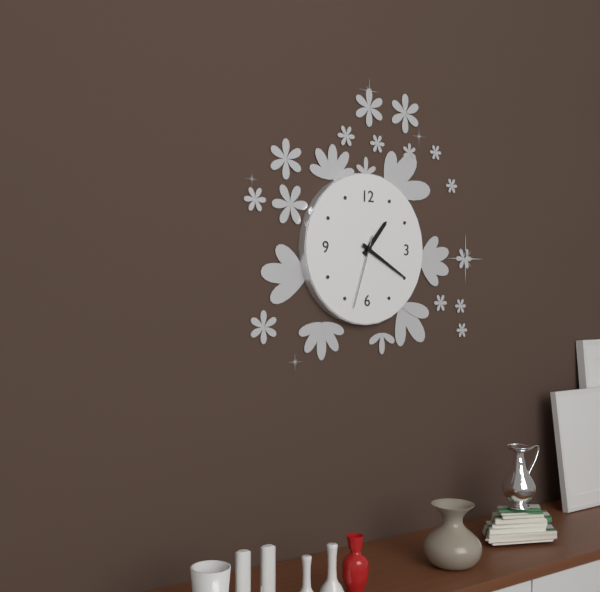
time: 1:20:33
